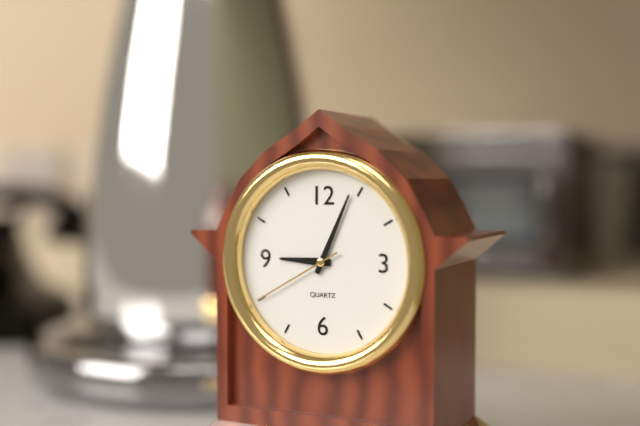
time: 9:04:40
